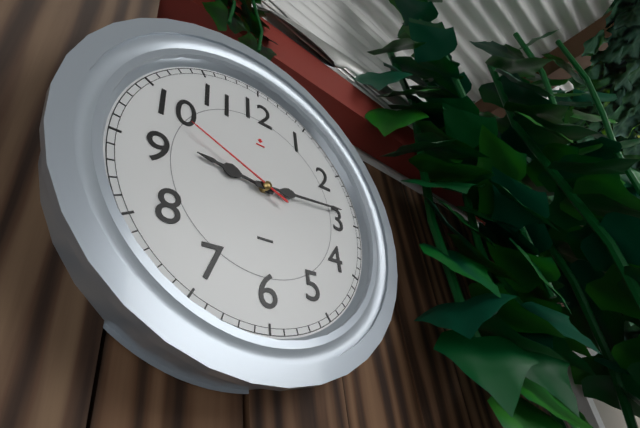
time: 9:14:49
